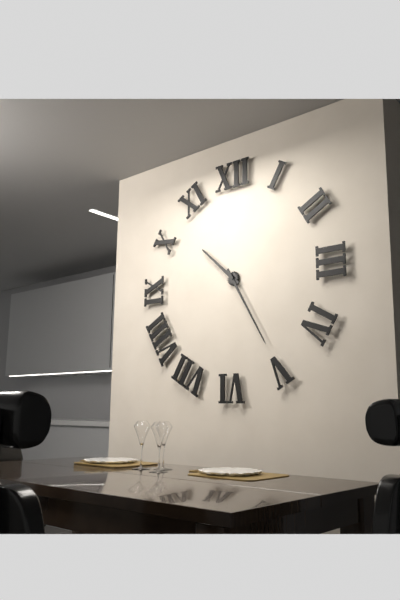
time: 10:25
